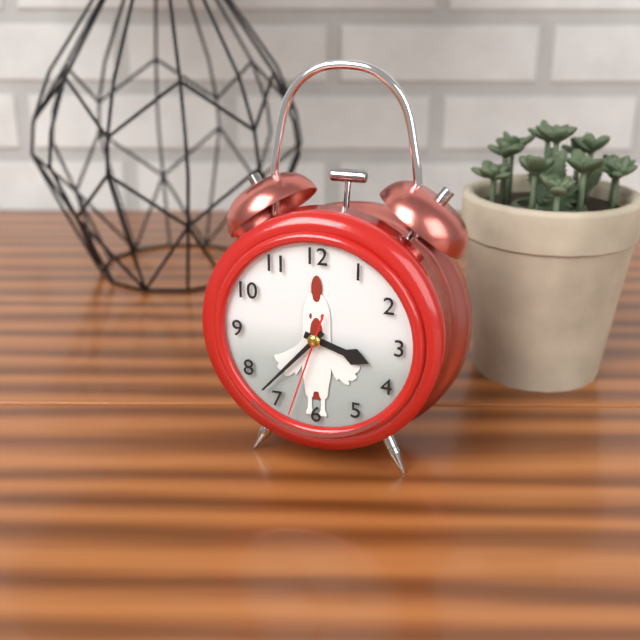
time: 3:37:33
